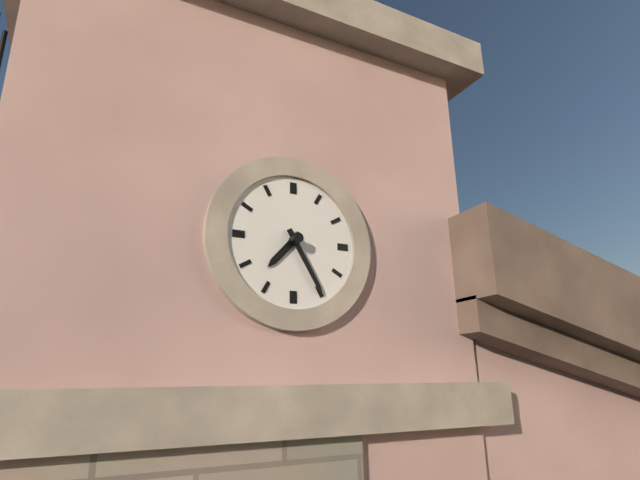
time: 7:25
